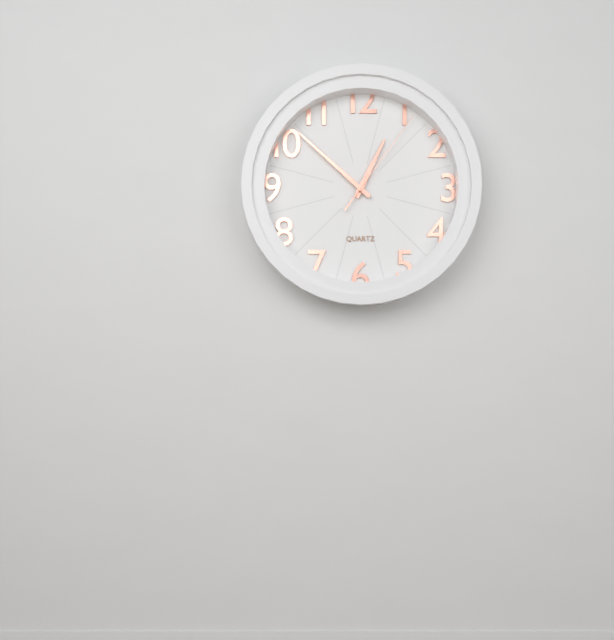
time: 12:52:06
